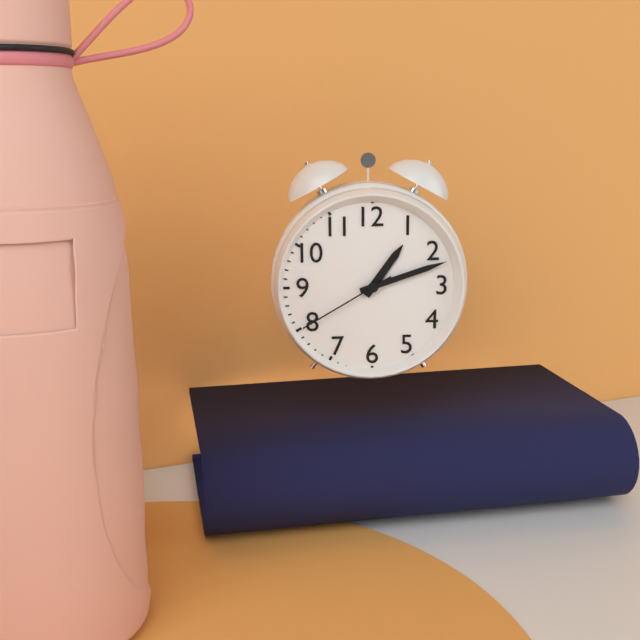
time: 1:12:40
